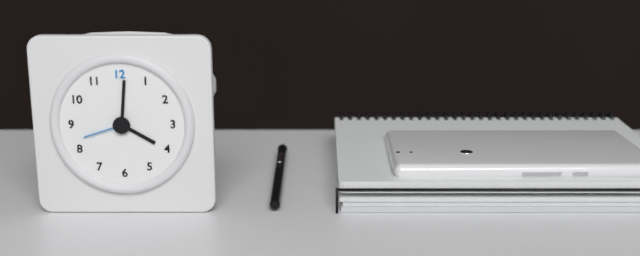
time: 4:01:42
